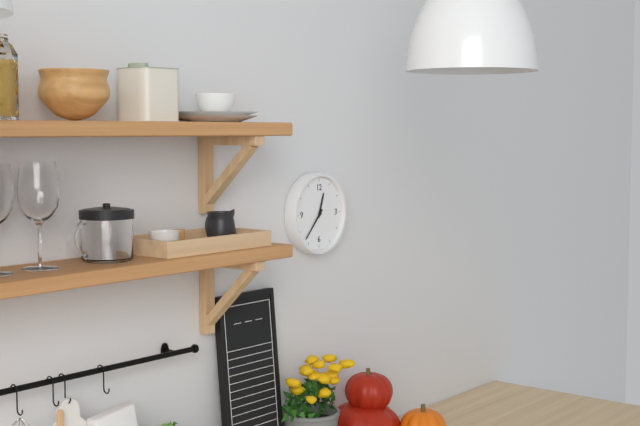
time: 12:37
